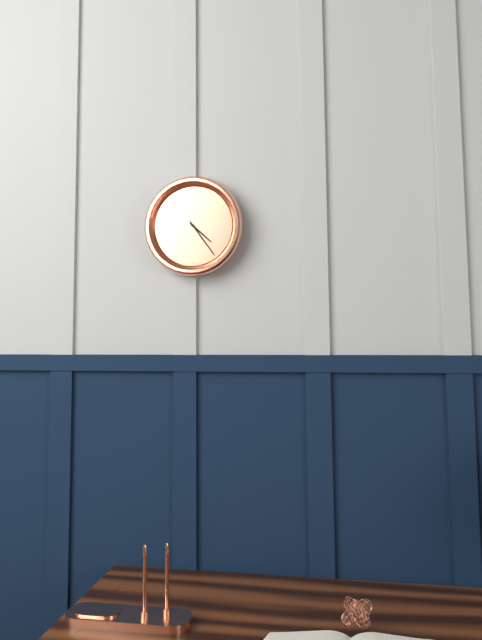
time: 4:24
